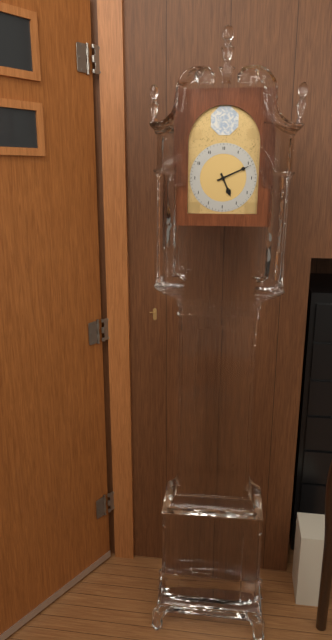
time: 5:11
